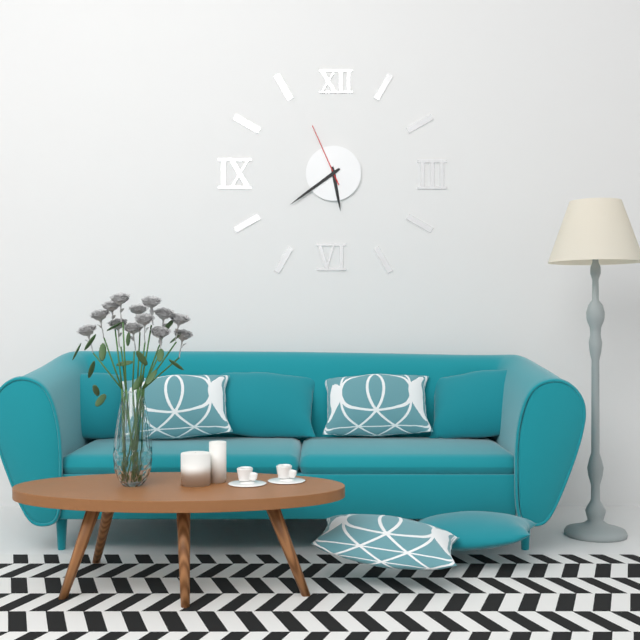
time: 5:39:56
